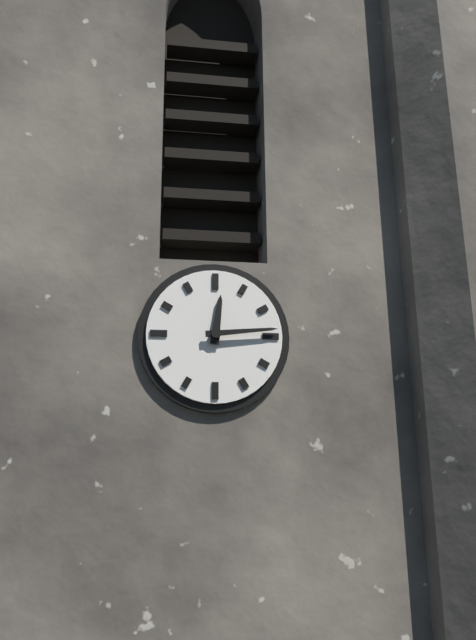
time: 12:14
